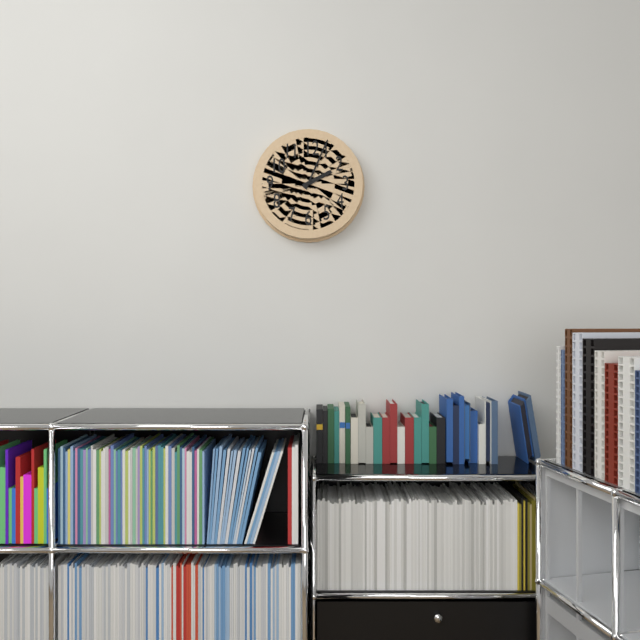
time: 2:04
